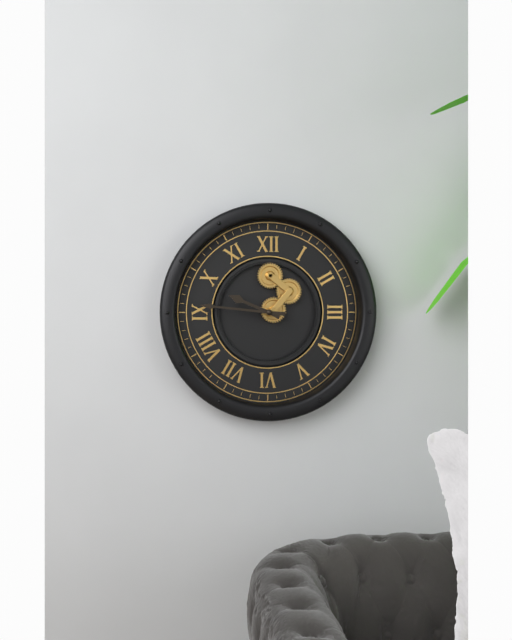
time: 9:46
